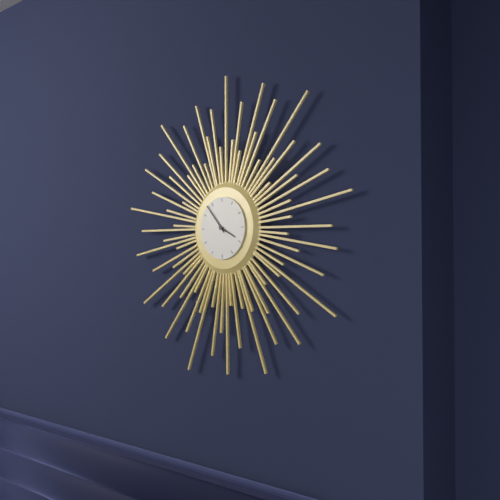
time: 3:53
